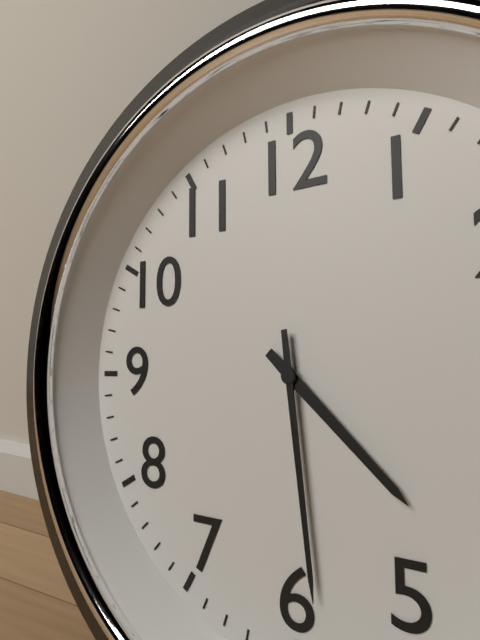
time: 4:29
